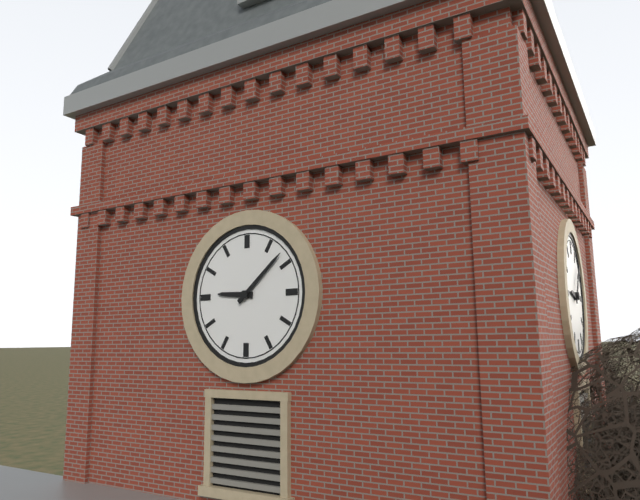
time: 9:08
